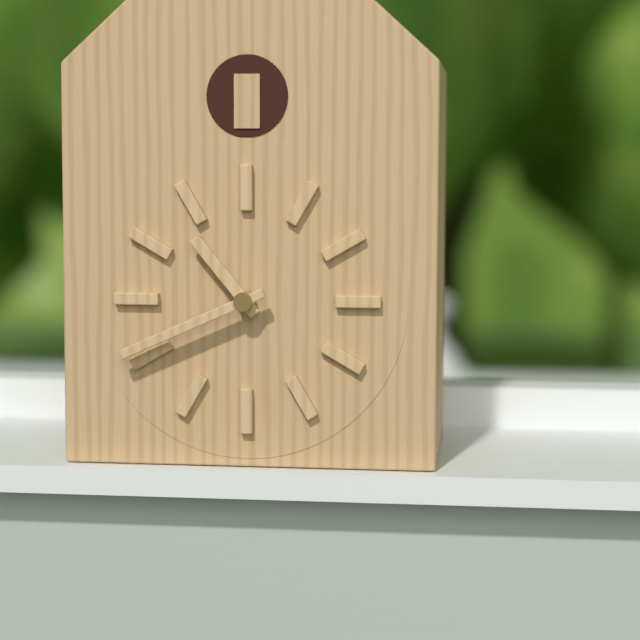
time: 10:41
